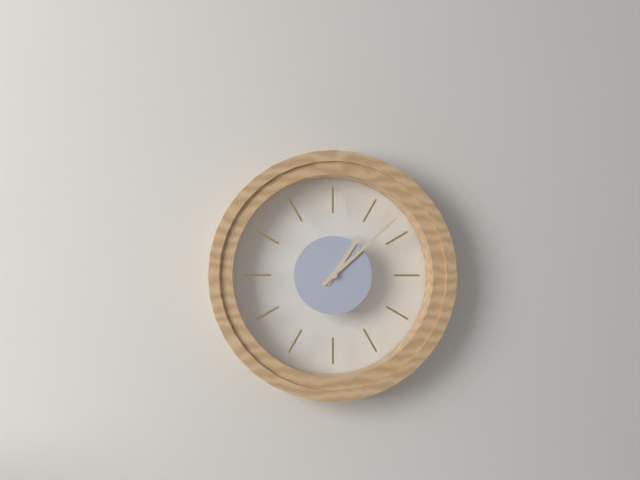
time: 1:08
